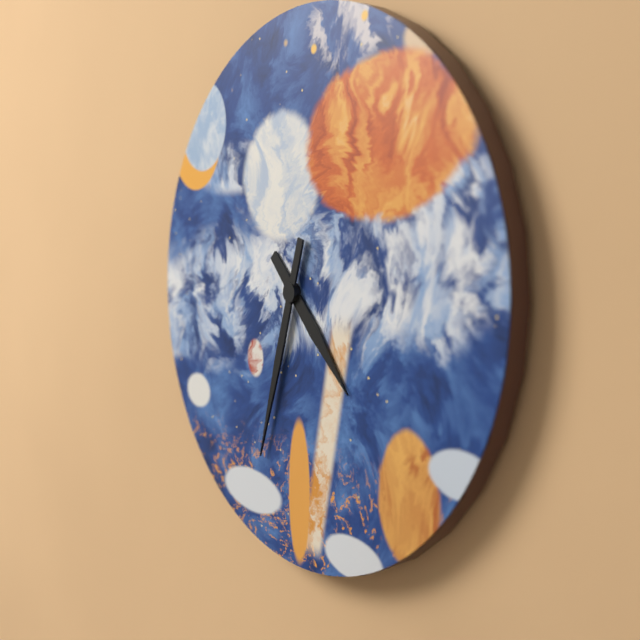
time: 4:33
